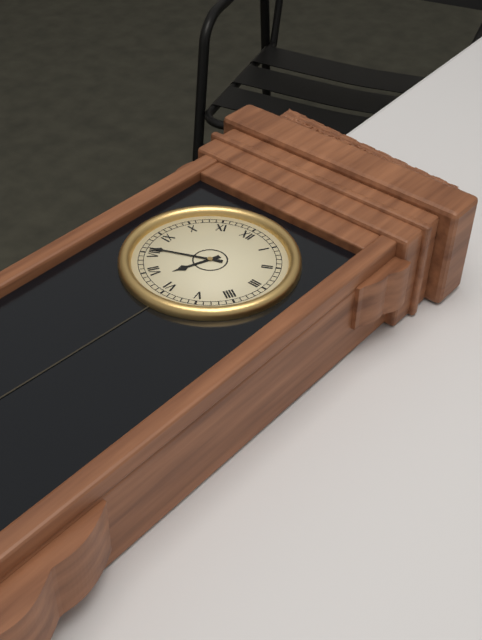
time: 6:41
